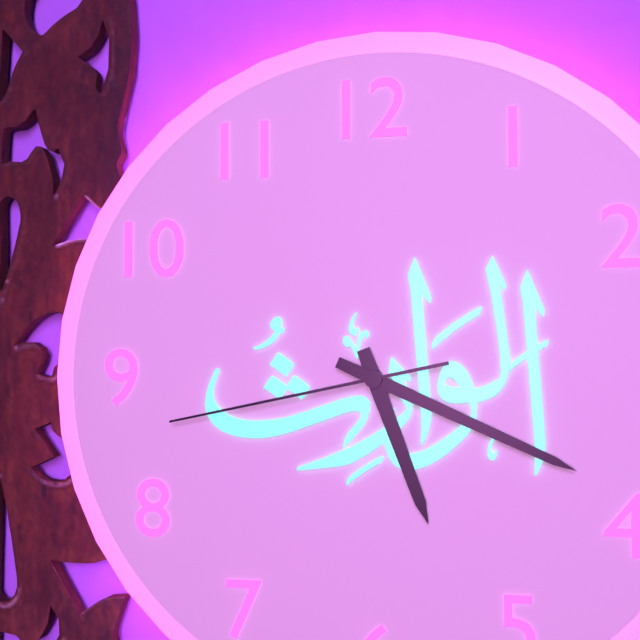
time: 5:19:43
